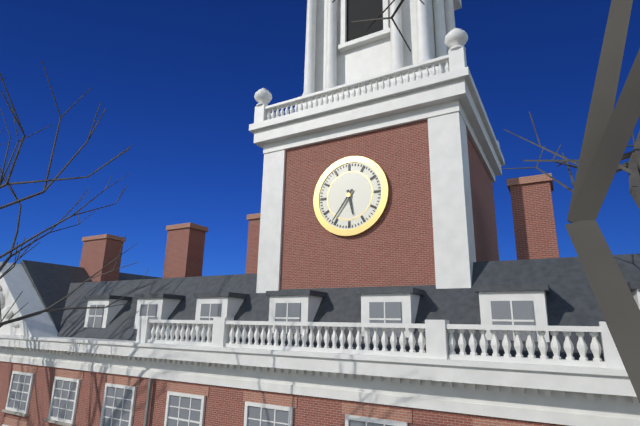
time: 5:36
